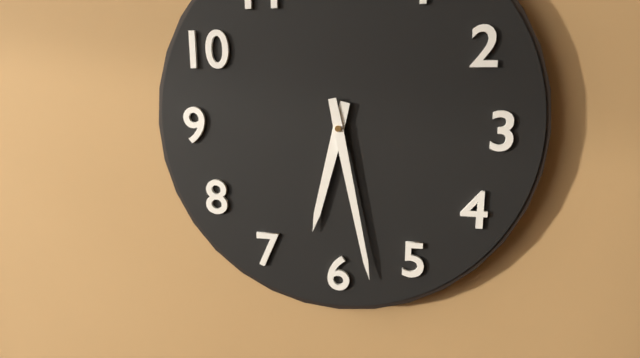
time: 6:28
